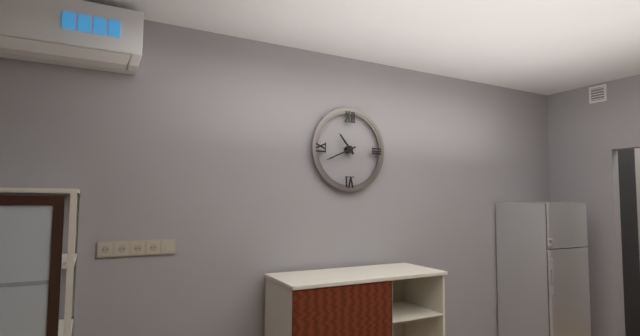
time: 10:41
